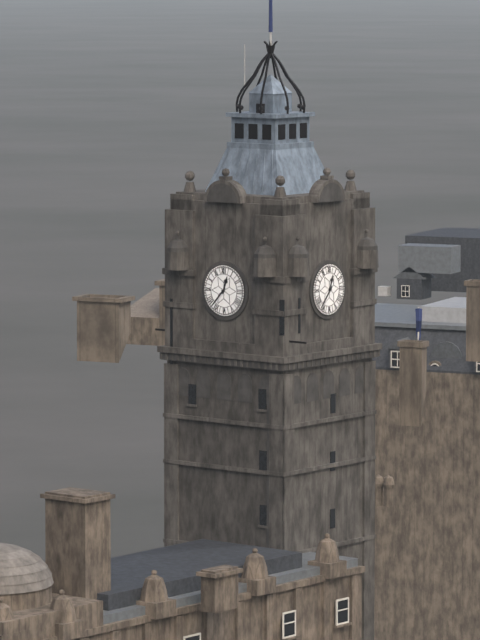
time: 12:37
